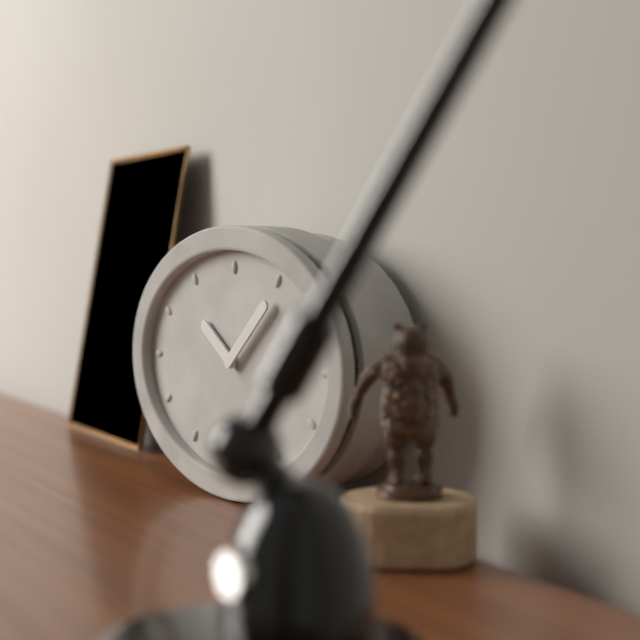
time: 10:08
